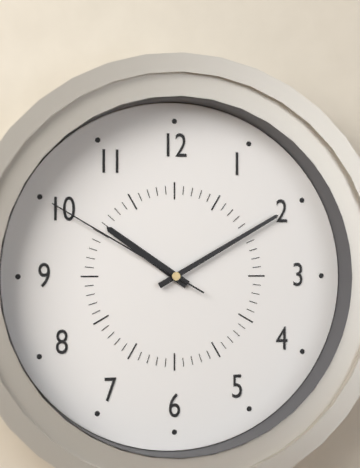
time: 10:10:50
